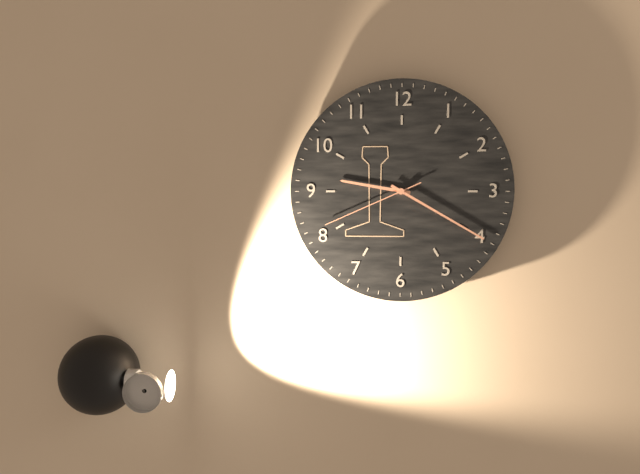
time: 9:20:41
